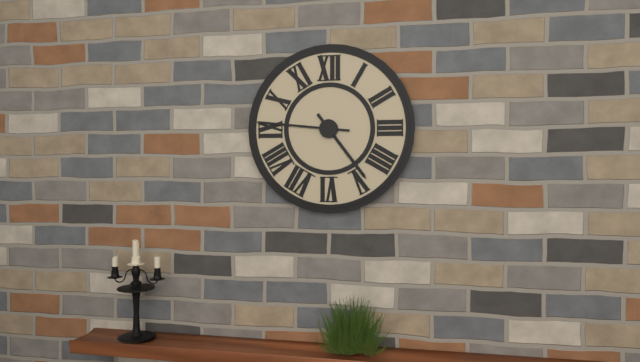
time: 4:46
